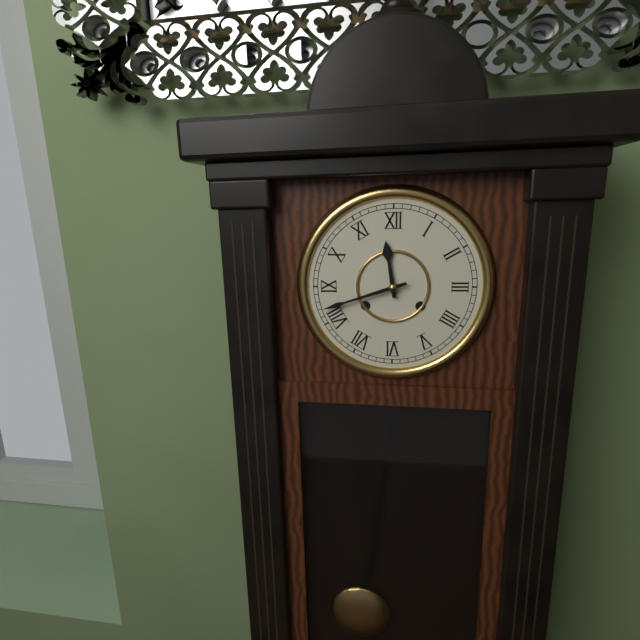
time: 11:42
